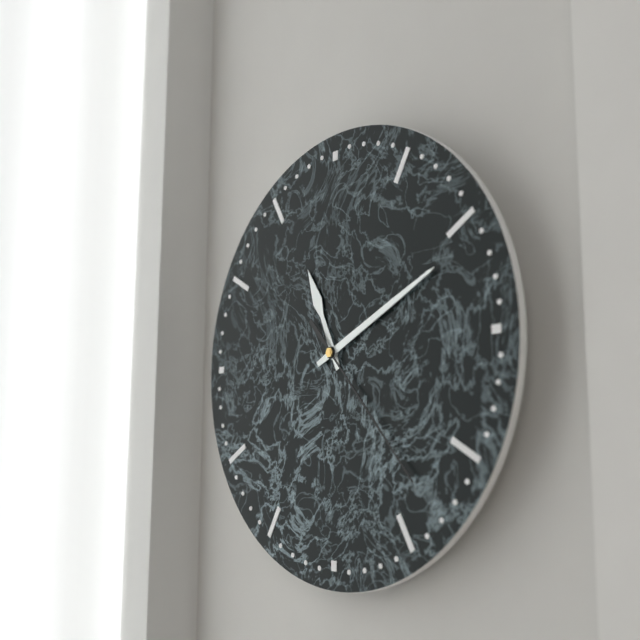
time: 11:11:23
